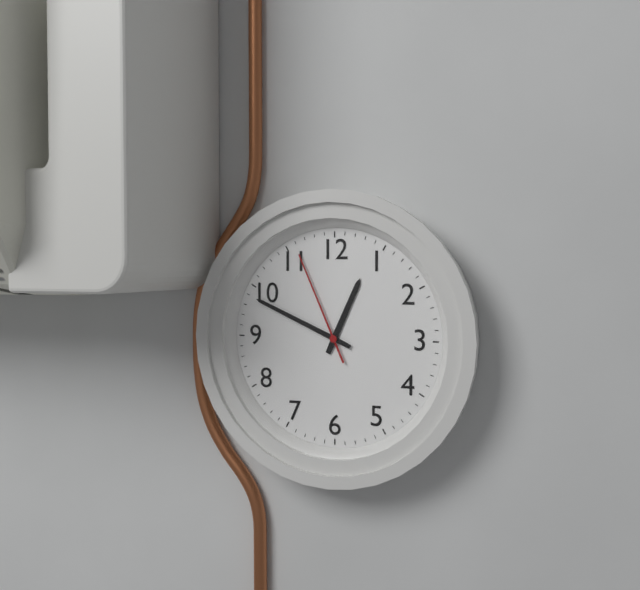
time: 12:49:56
